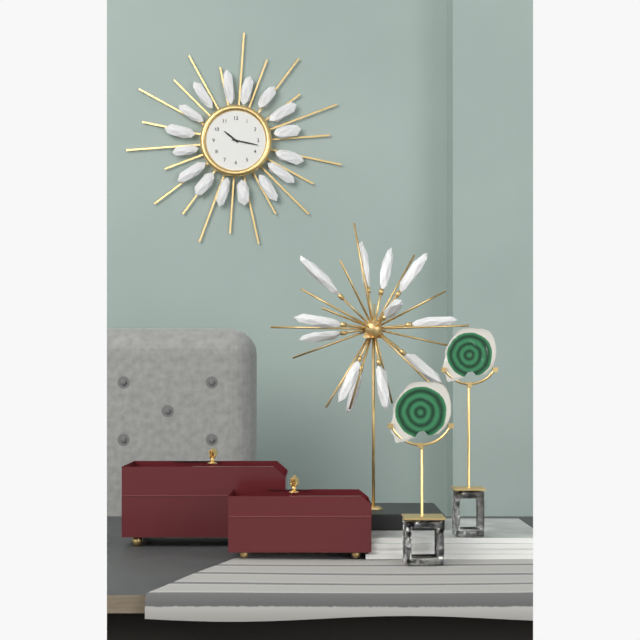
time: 10:17
